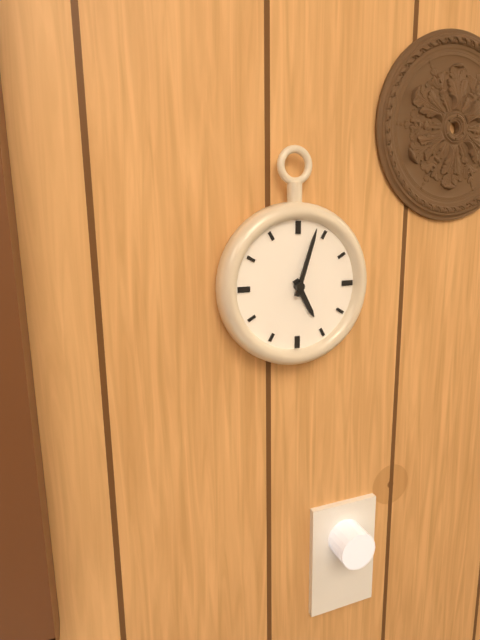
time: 5:03
